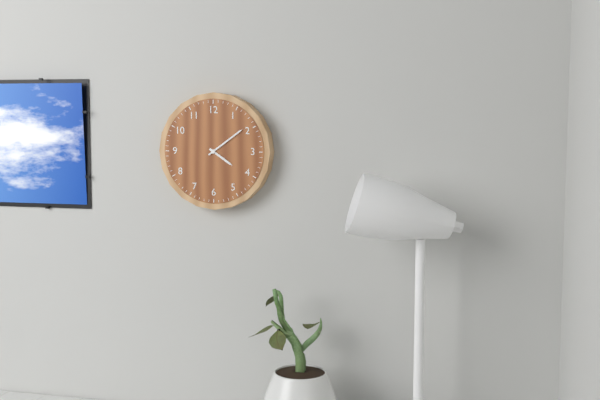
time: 4:09
